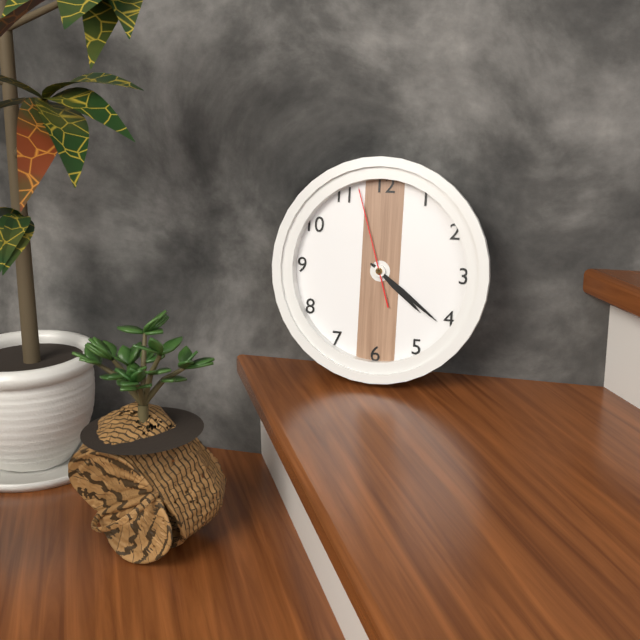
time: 4:21:57
